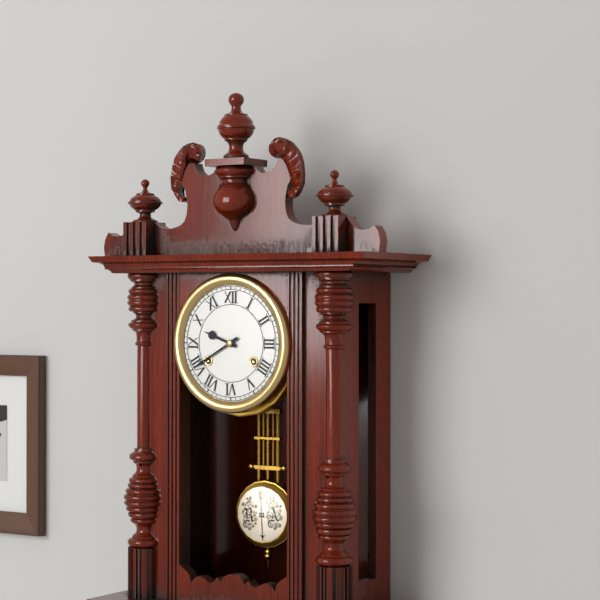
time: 9:40
